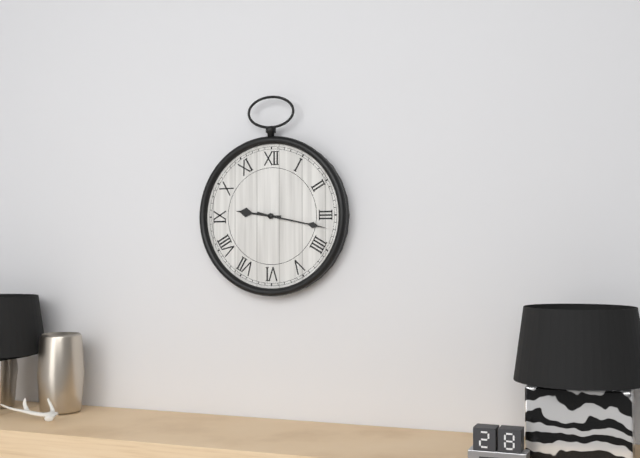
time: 9:17
